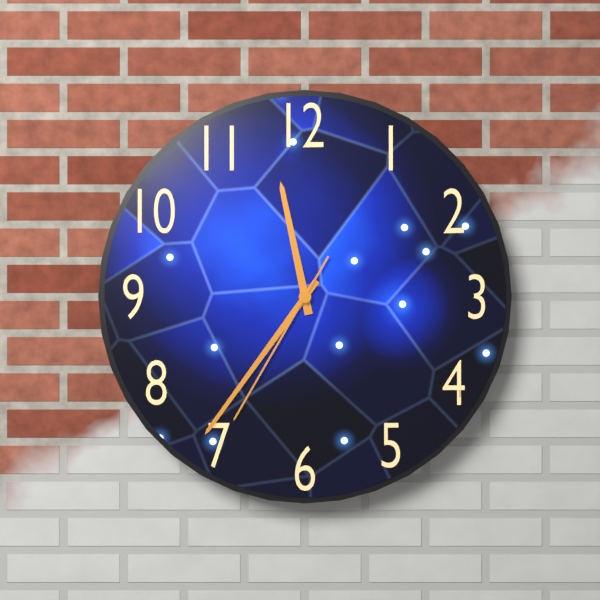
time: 11:36:35
